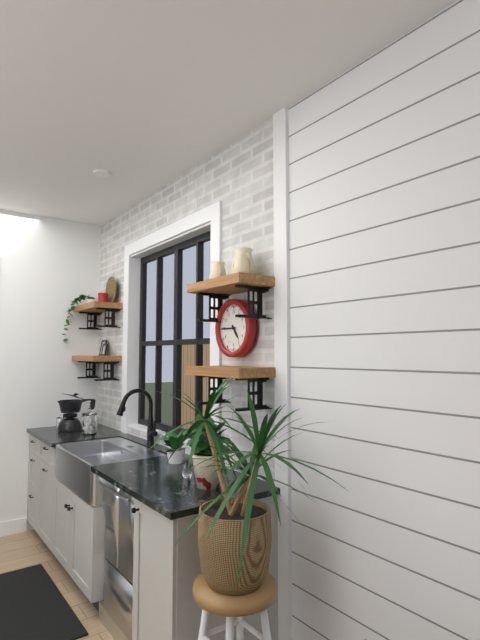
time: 4:45
